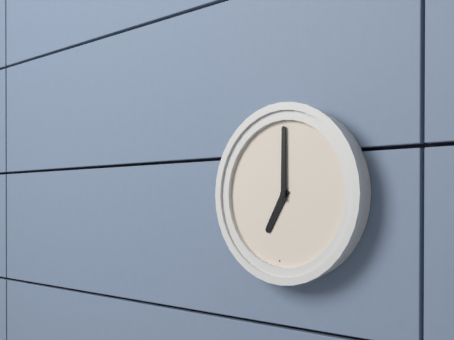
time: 7:00
